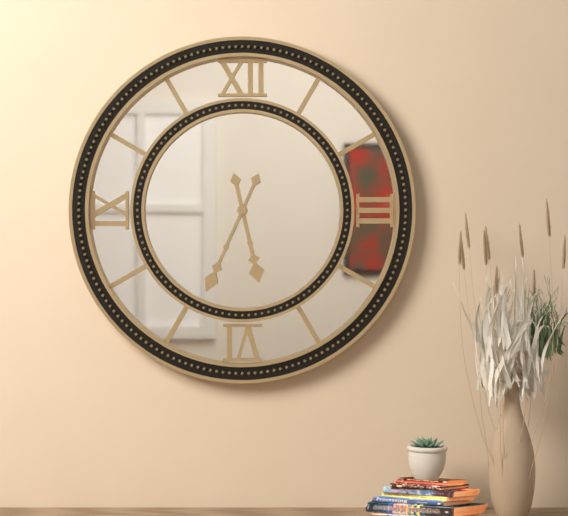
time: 5:34
